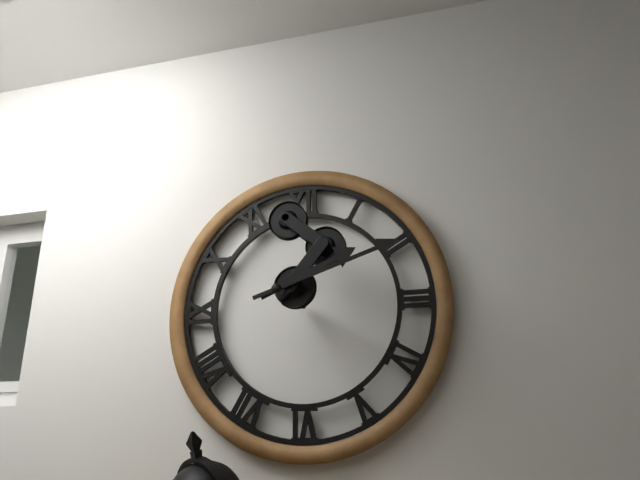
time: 2:12
